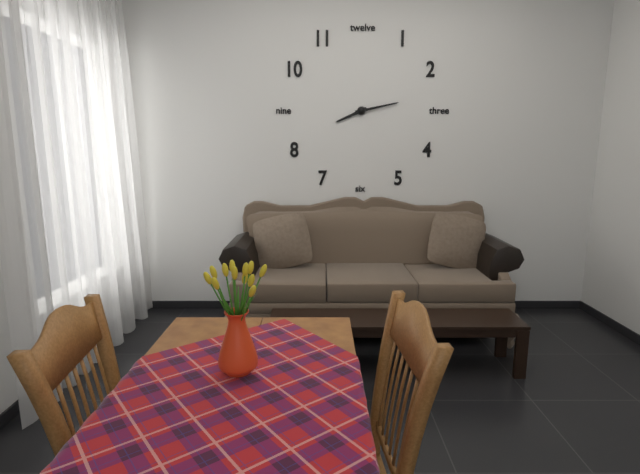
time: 8:13
